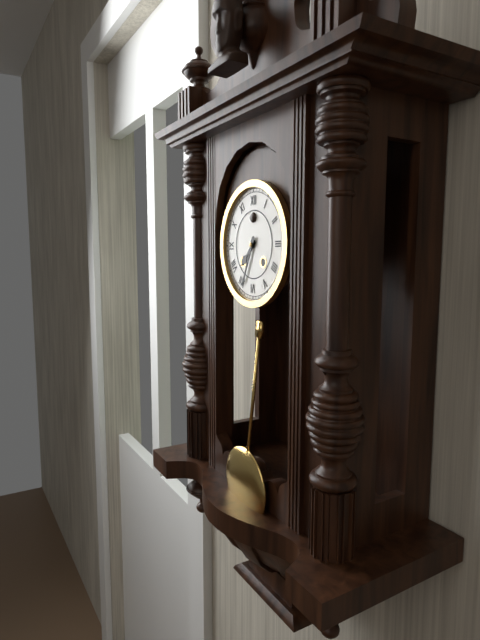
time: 7:34
